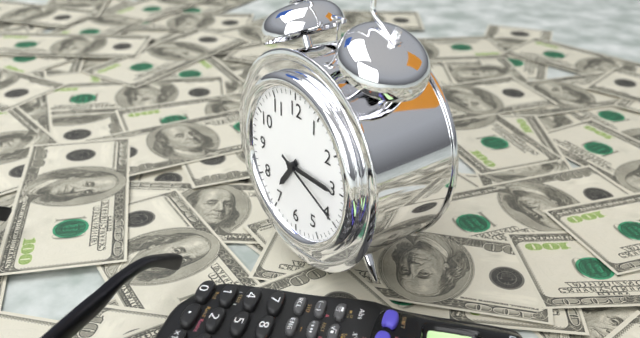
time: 7:15:19
